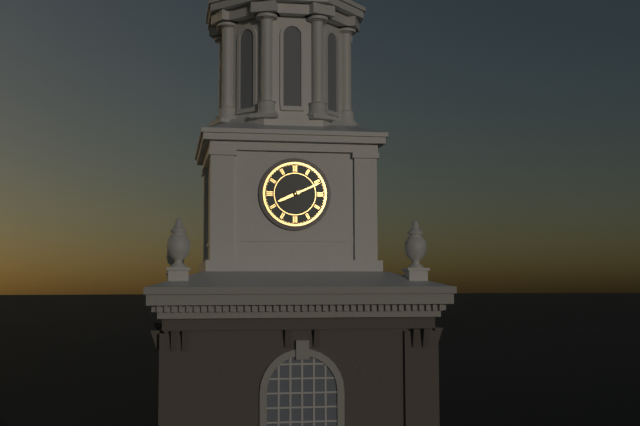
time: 8:11
